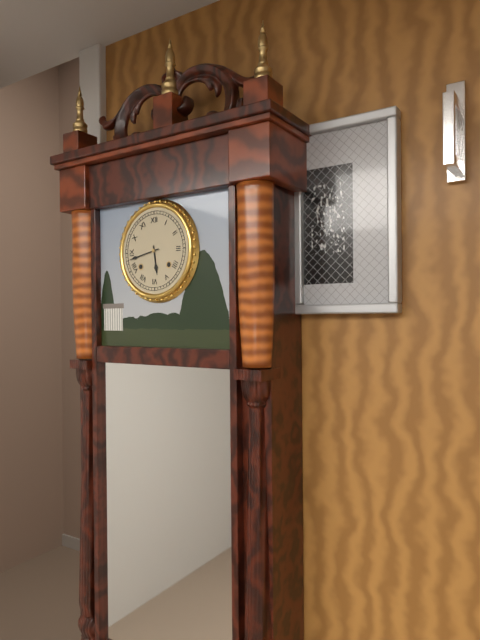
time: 5:43
